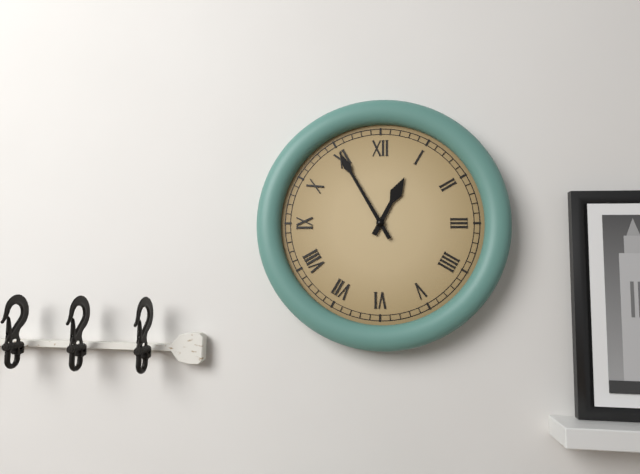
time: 12:55
